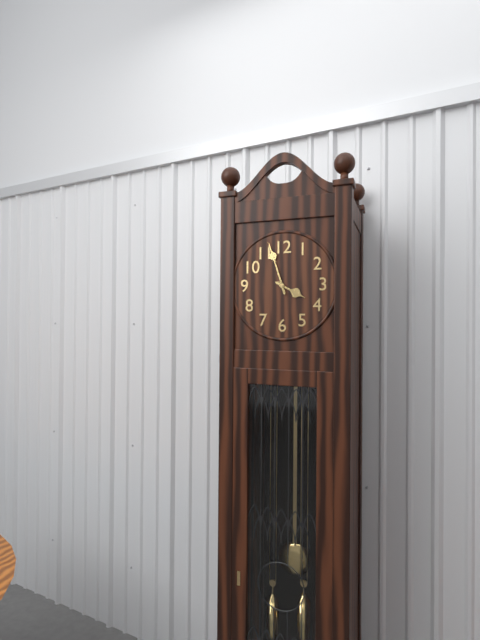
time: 3:57
